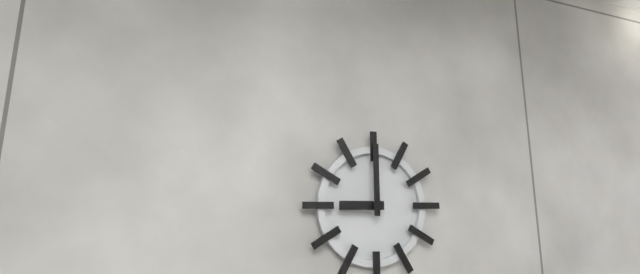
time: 9:00
